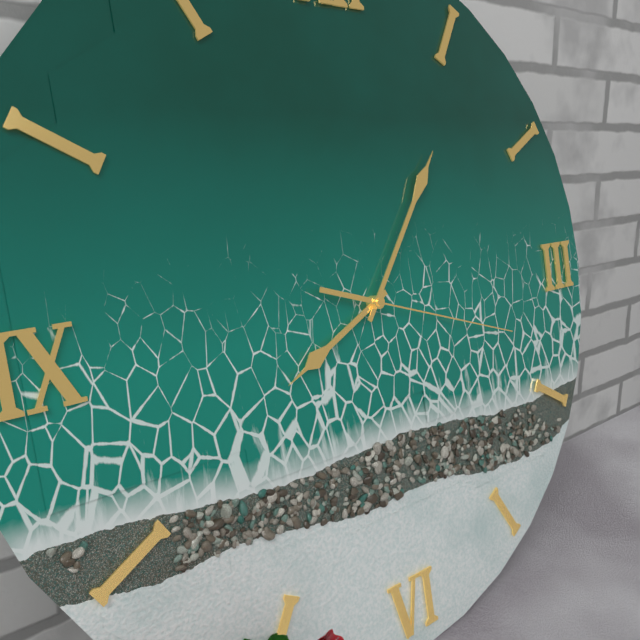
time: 8:06:18
